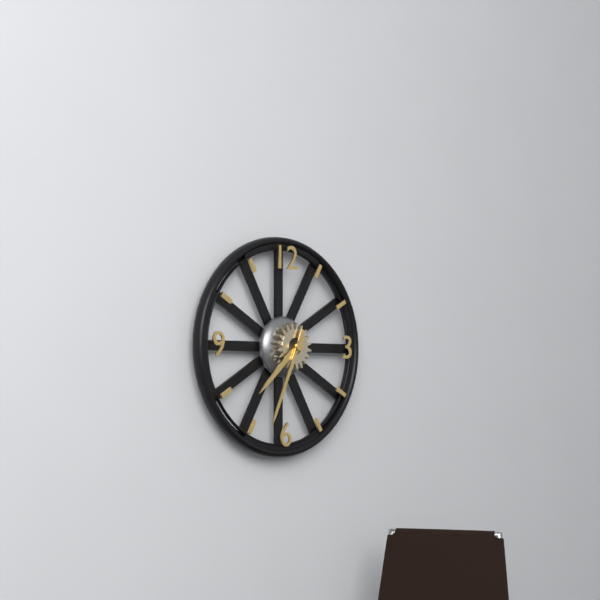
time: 7:34
